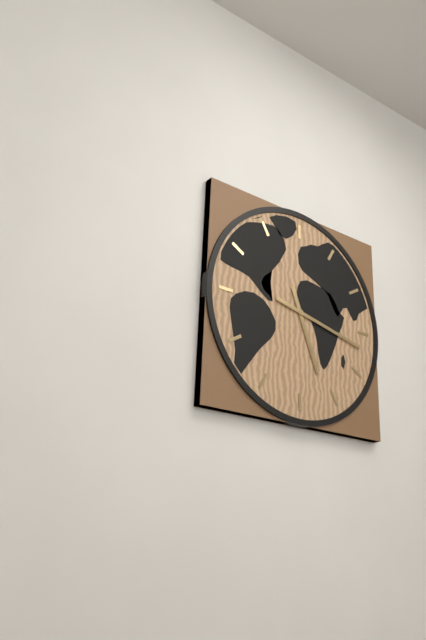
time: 5:17
